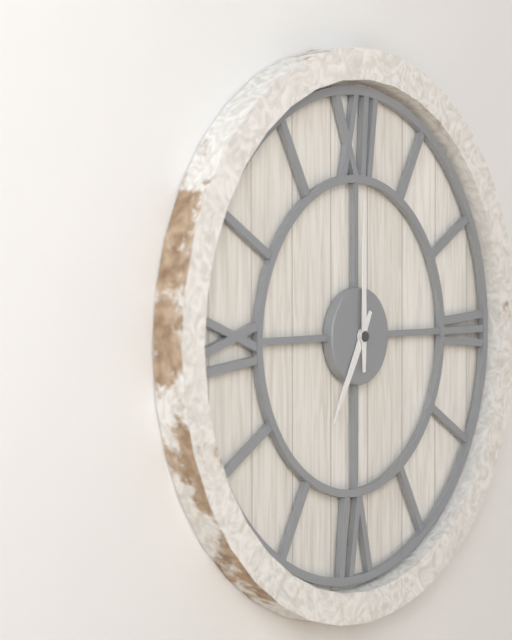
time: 7:00
